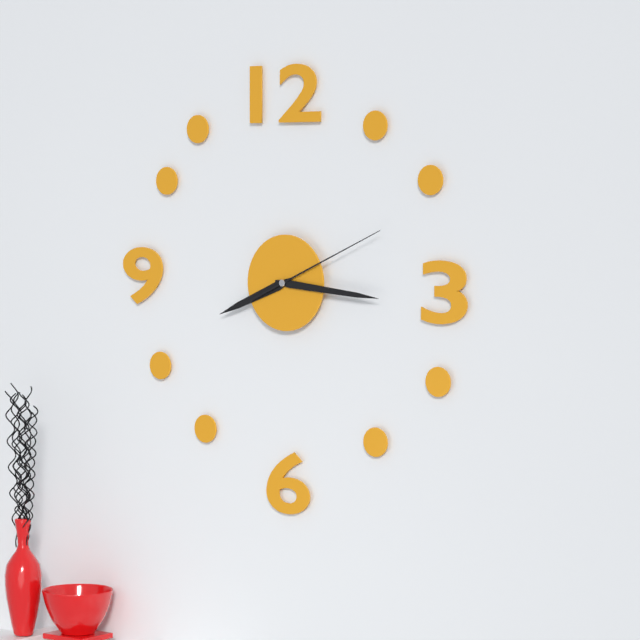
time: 8:16:11
